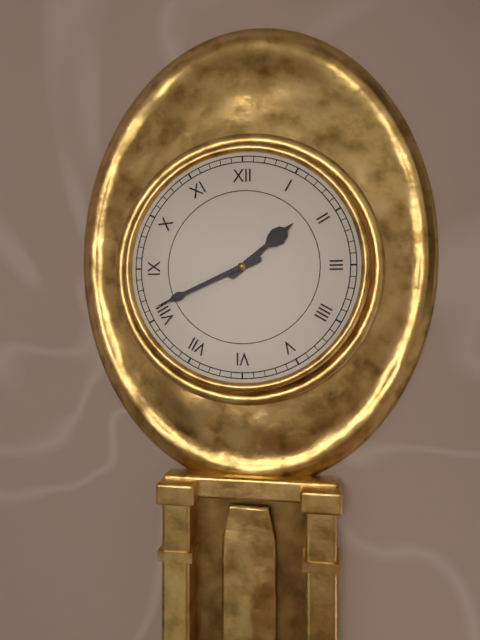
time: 1:41
